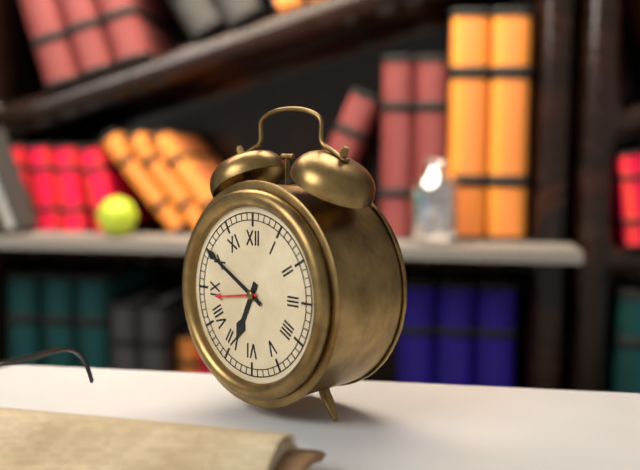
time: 6:50
